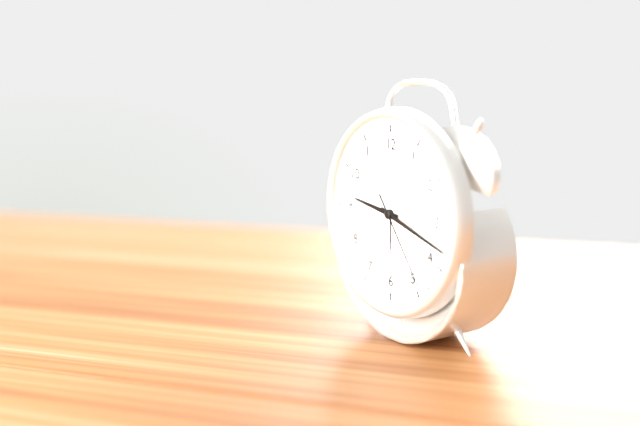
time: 9:18:24
